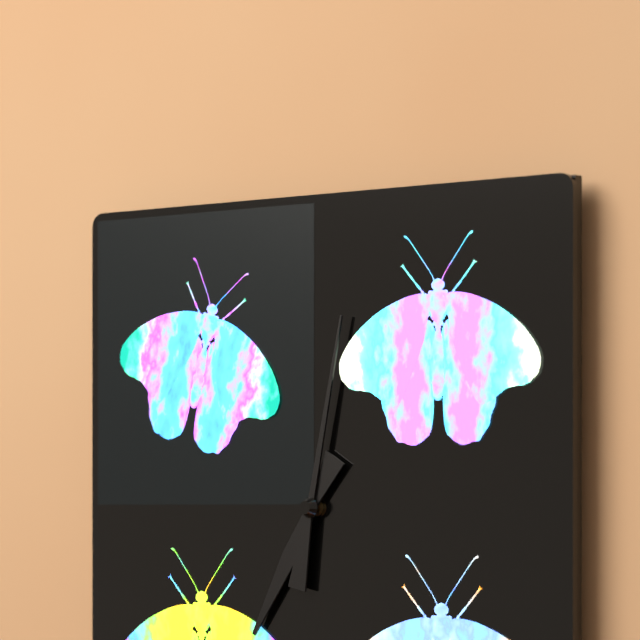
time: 7:02
